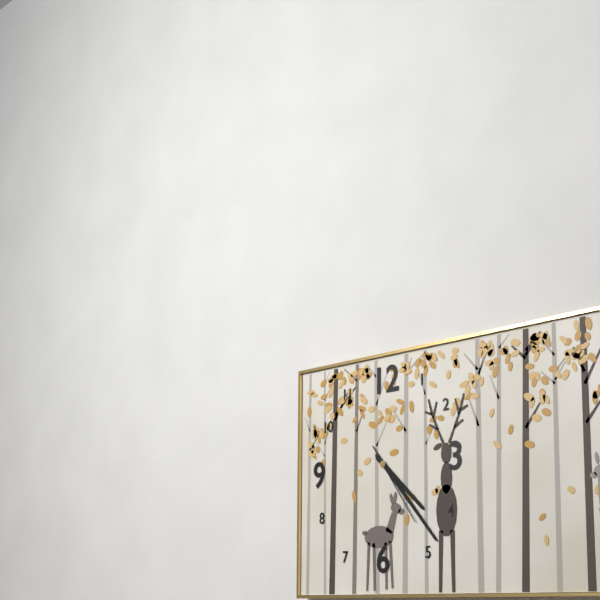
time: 4:23:24
